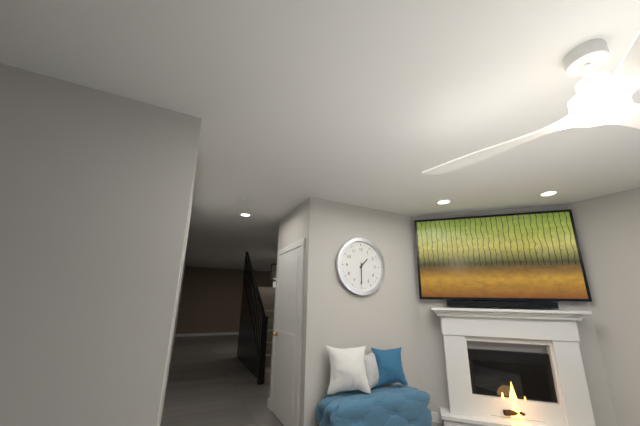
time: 1:30
